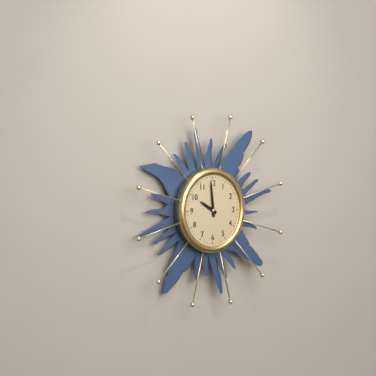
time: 9:59
